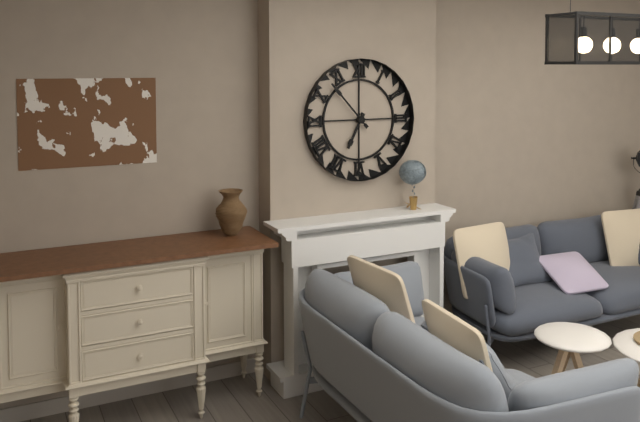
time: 6:53
